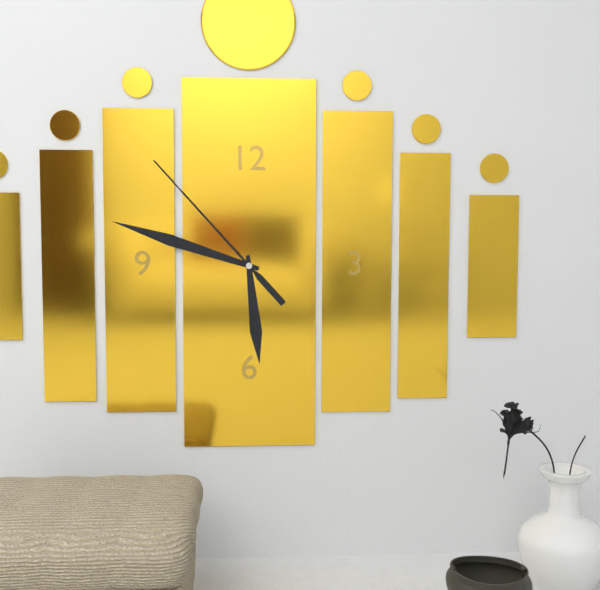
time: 5:48:53
